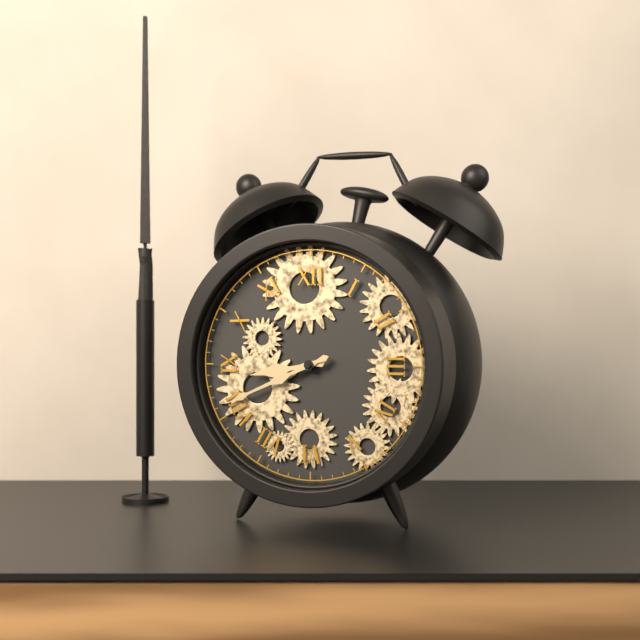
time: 8:41
